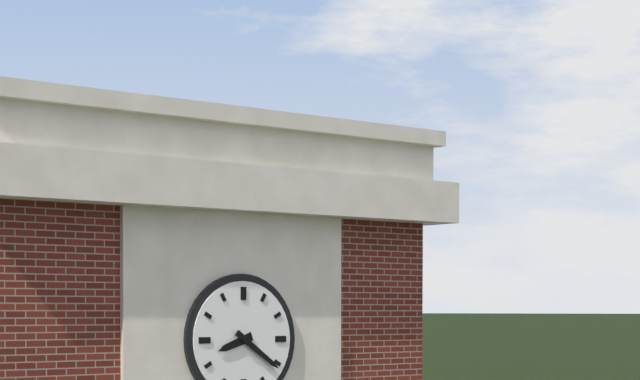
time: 8:21
